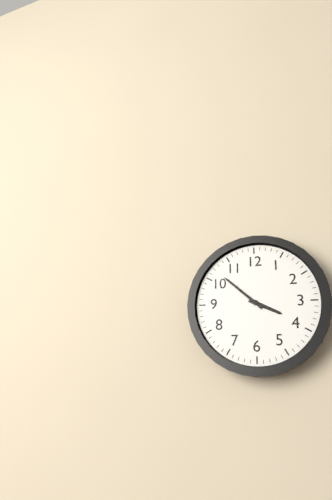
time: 3:52
